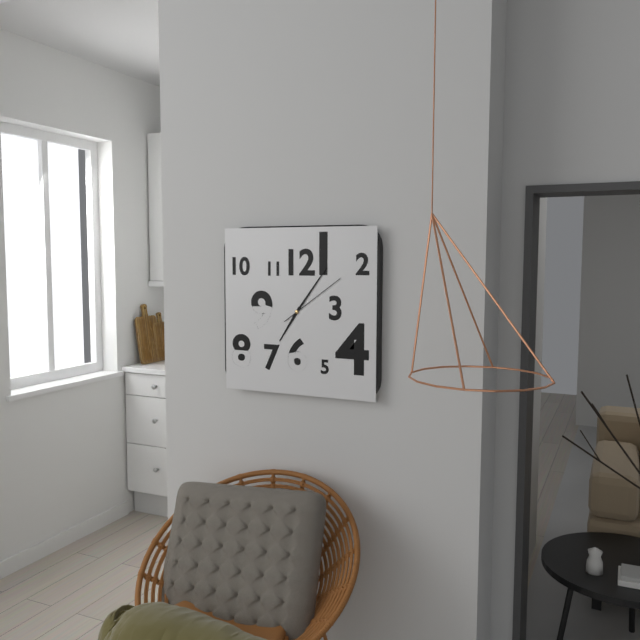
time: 7:06:09
